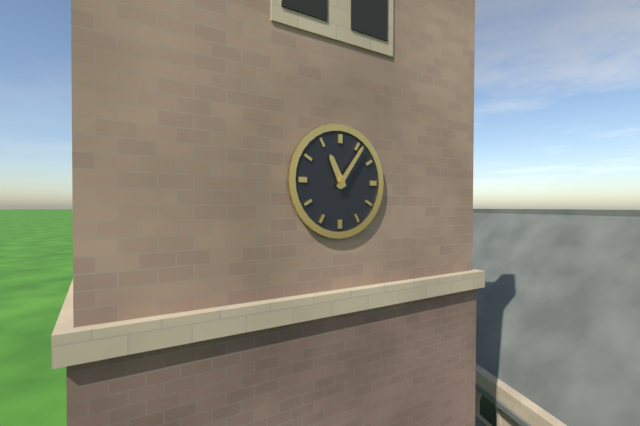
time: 11:06
